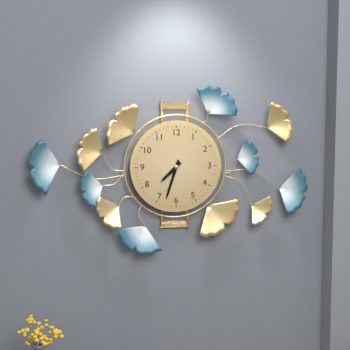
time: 7:33
